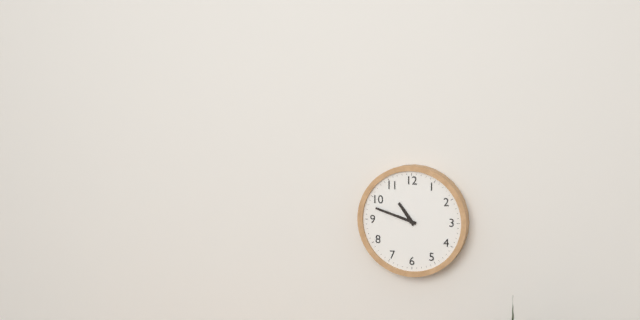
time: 10:48
